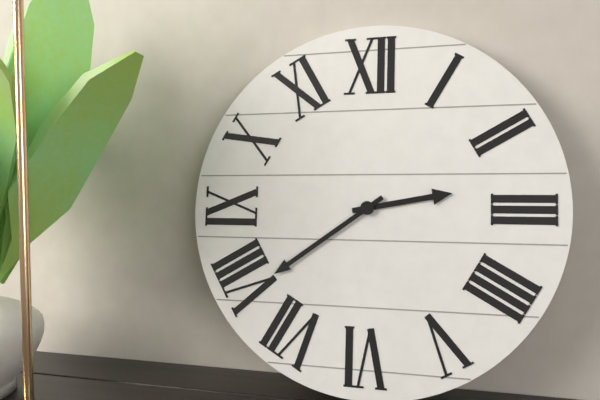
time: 2:39
